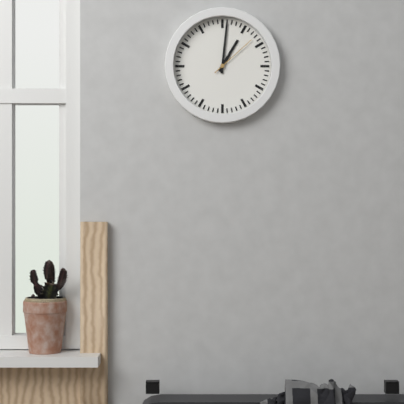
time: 1:01
